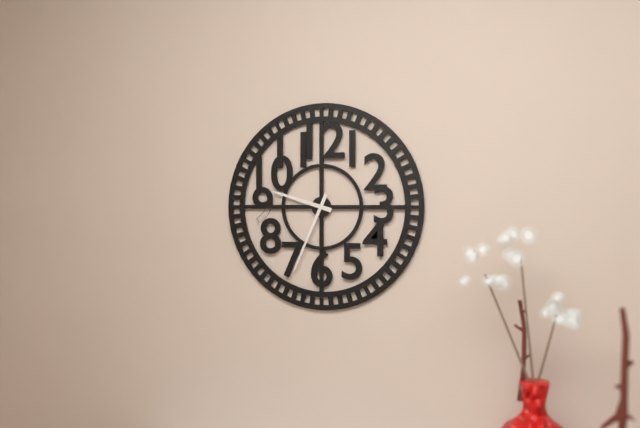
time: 9:34
